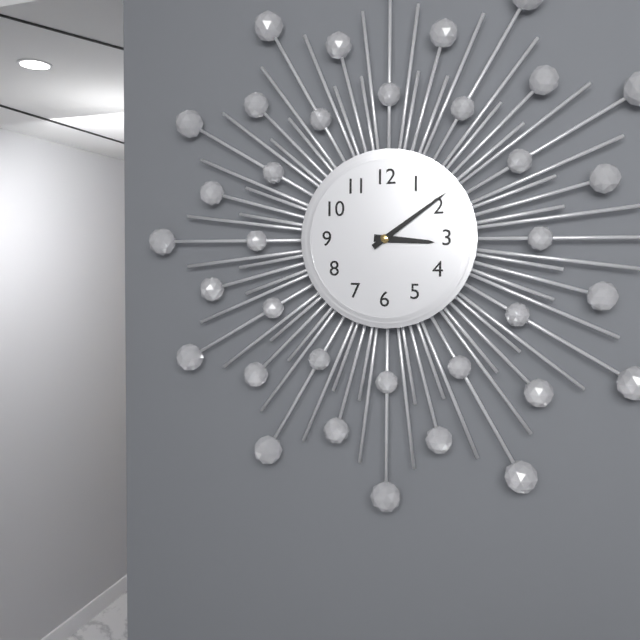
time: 3:09
